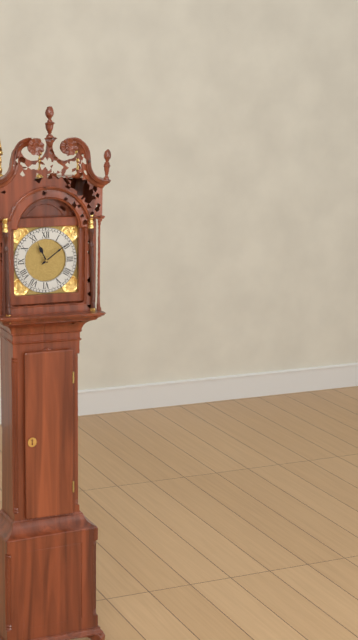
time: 11:09
